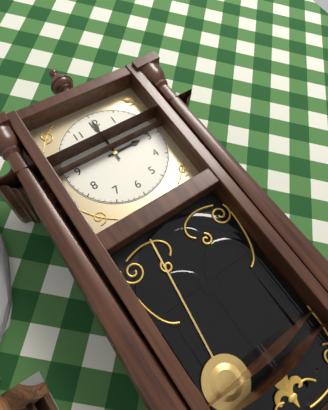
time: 3:00
